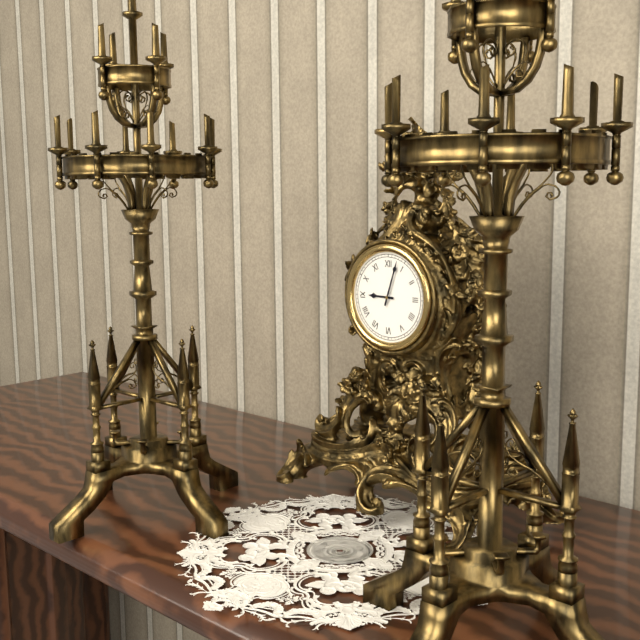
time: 9:03
